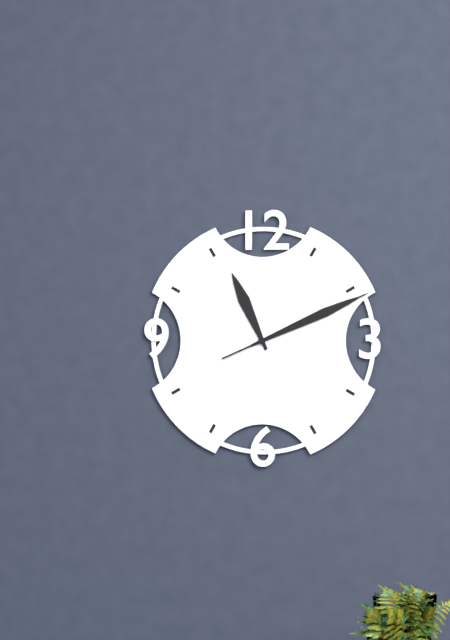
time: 11:11:11
